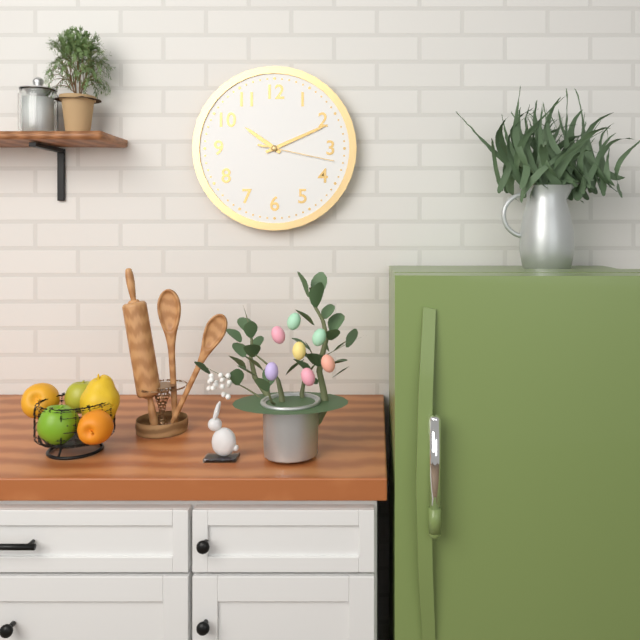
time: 10:11:17
